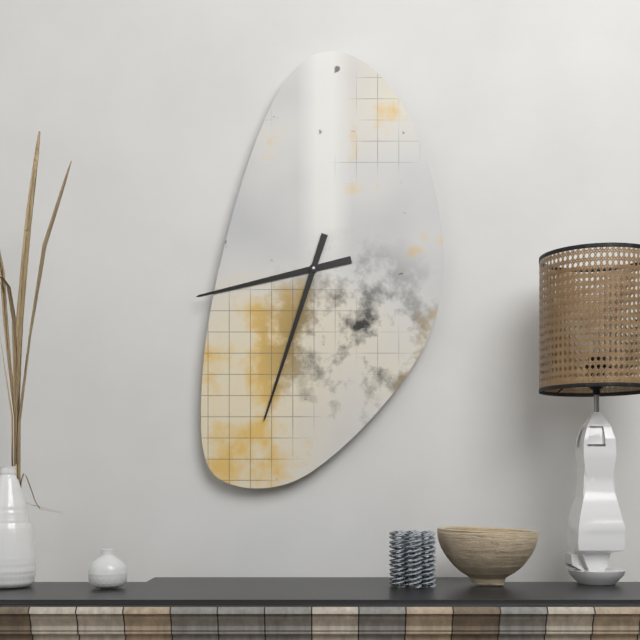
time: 8:33
